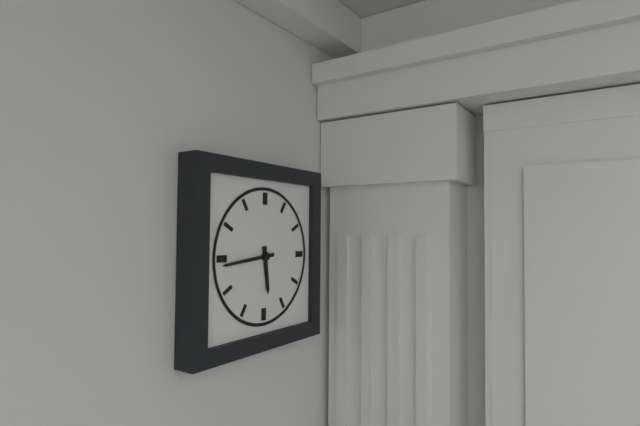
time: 5:44
